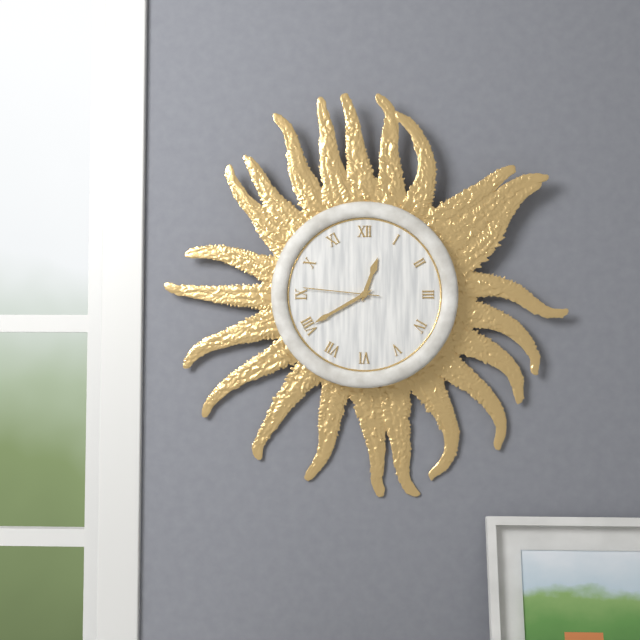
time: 12:40:46
